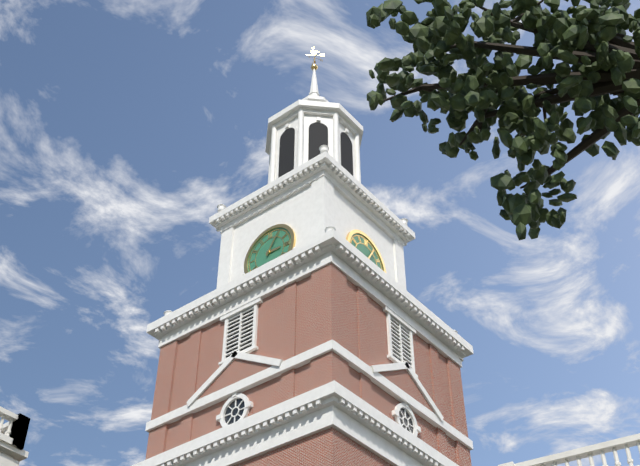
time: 3:05
